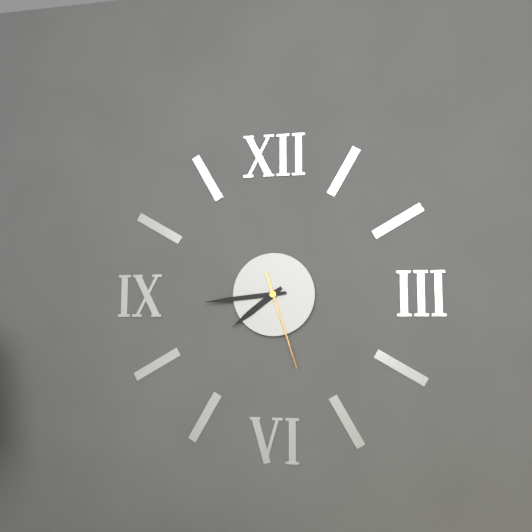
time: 7:44:27
